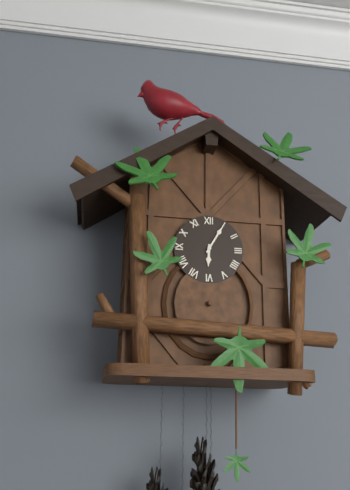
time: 6:05
